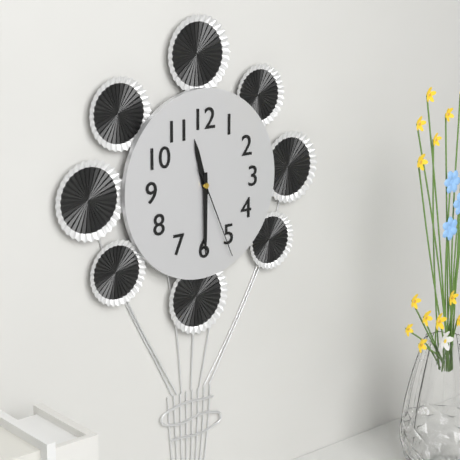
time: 11:30:26
